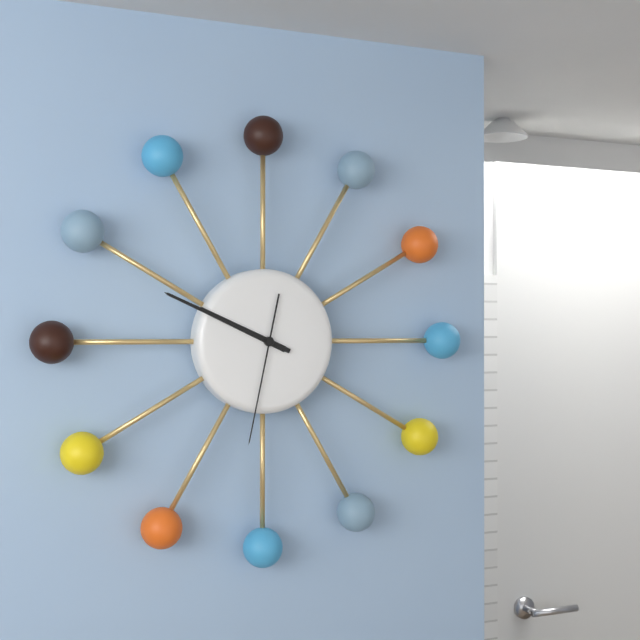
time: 9:49:32
